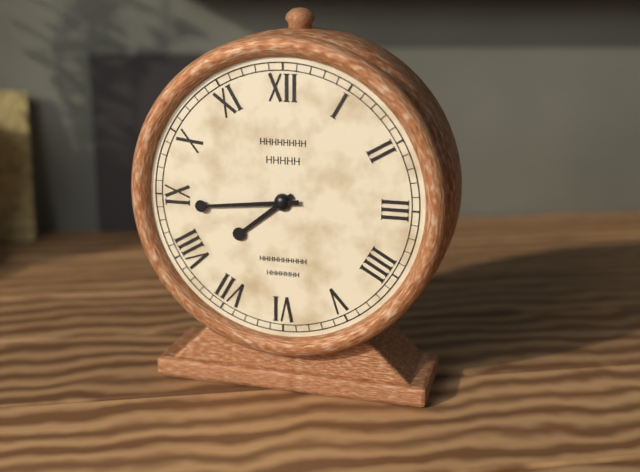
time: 7:44
